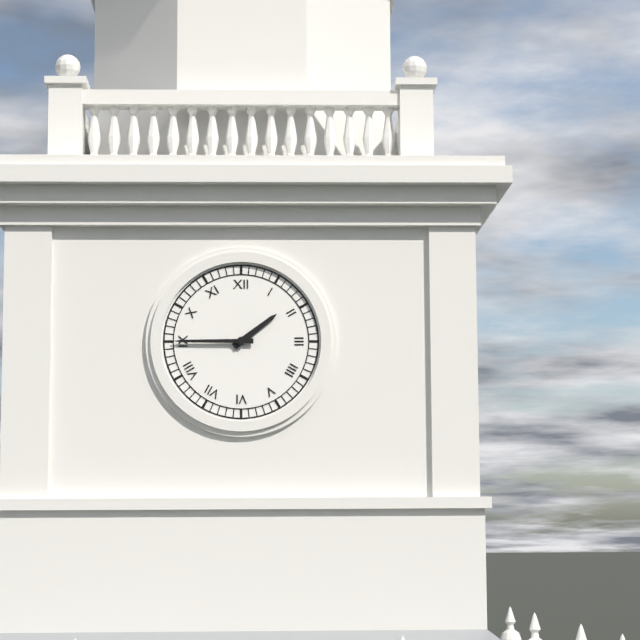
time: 1:45
